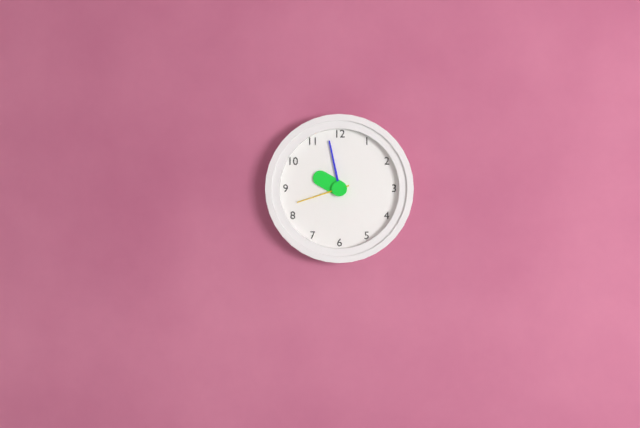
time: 9:58:42
